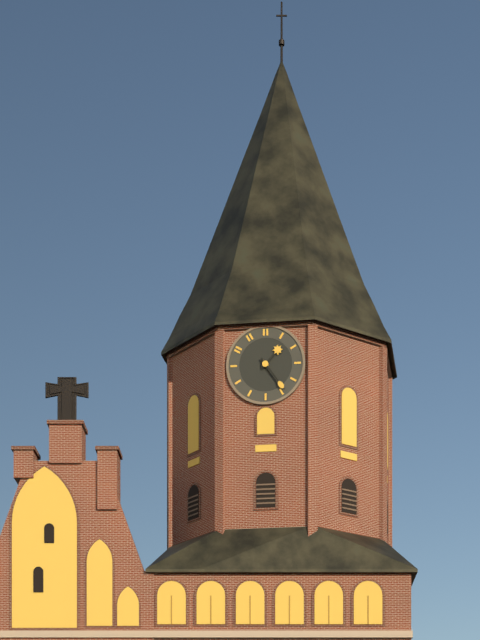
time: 1:24
